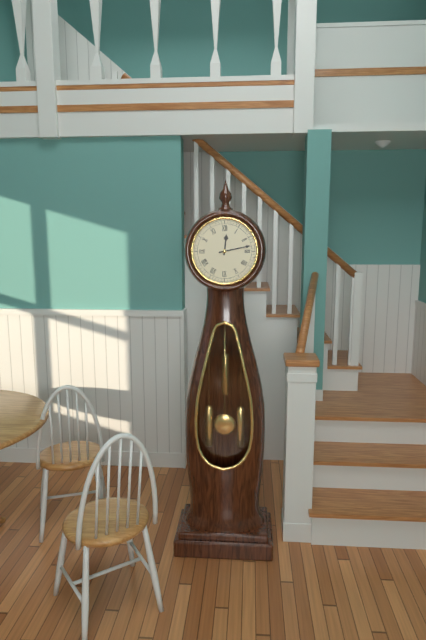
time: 12:13
